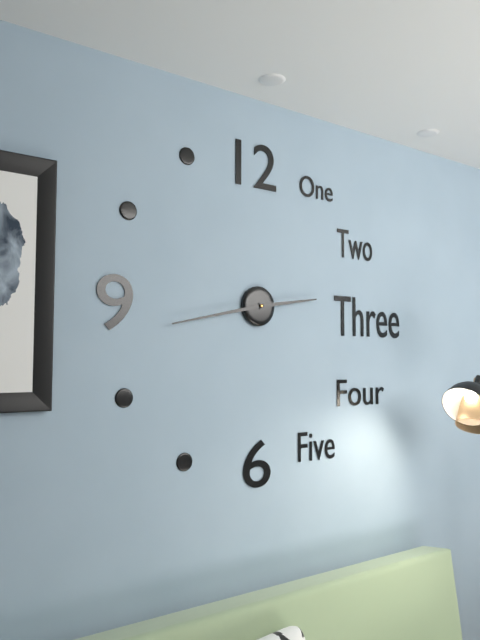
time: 2:43
